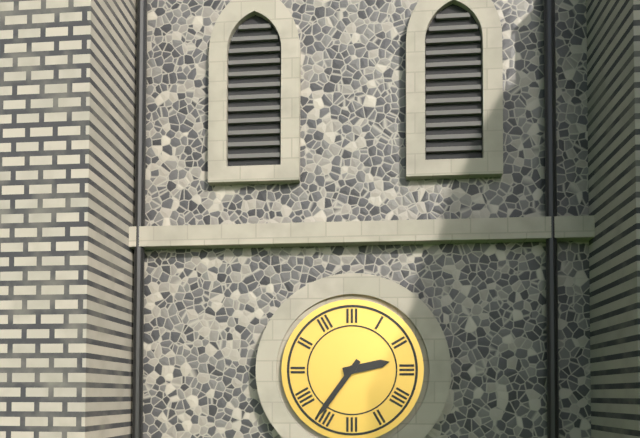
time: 2:36
